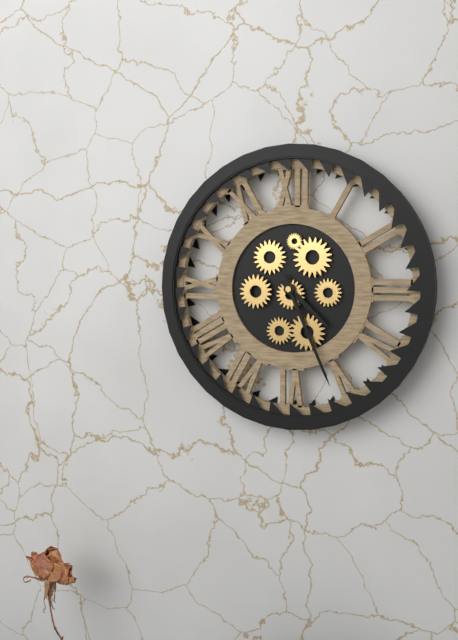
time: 4:26
